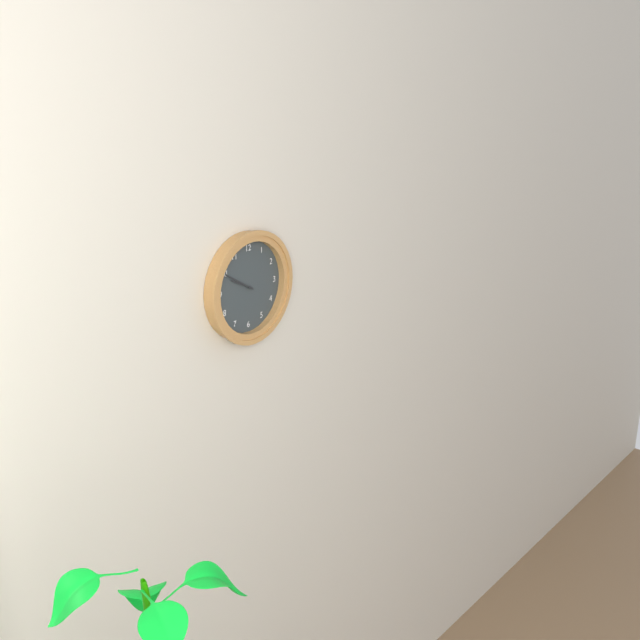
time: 9:50
